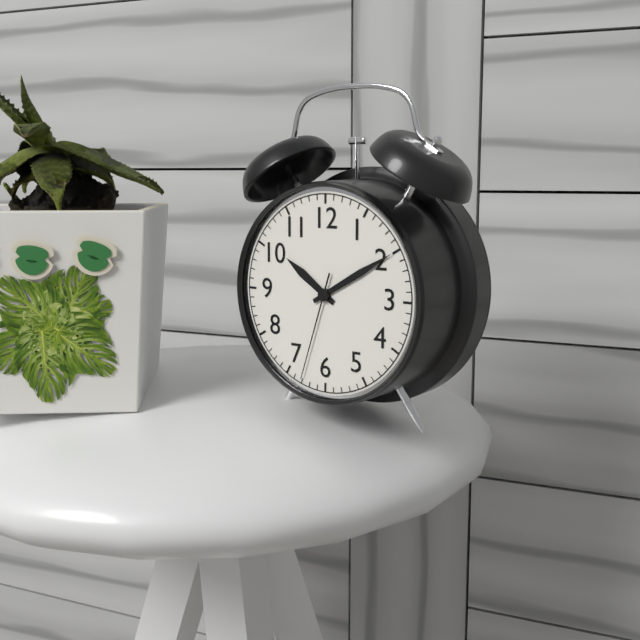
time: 10:10:33
